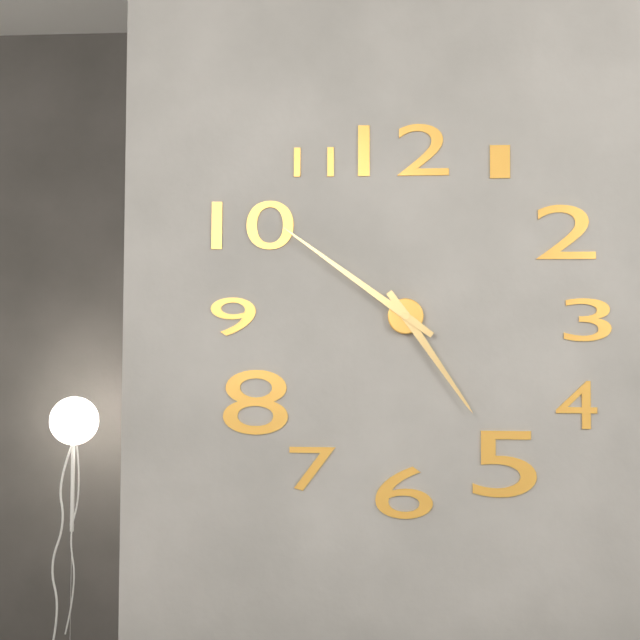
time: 4:51
